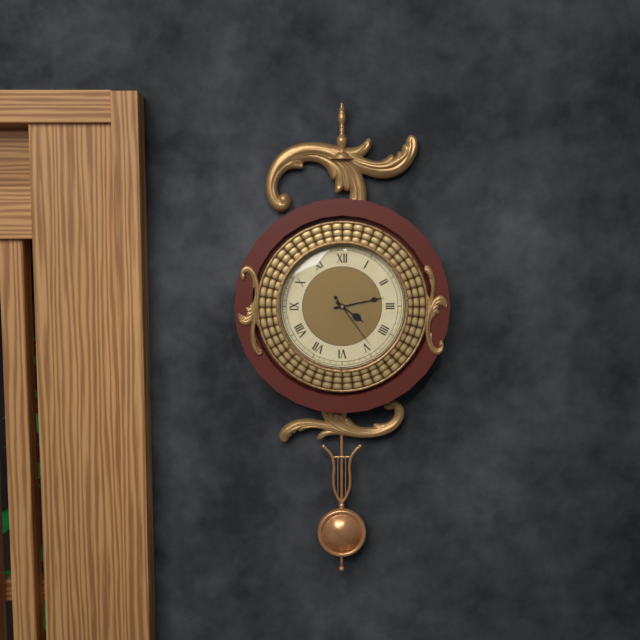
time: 4:13:24
